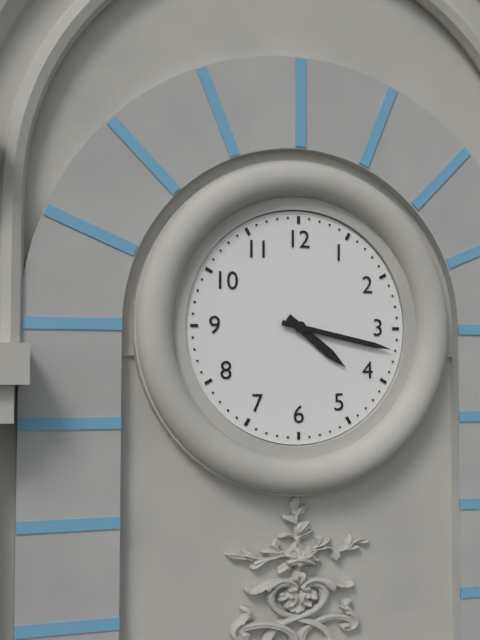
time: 4:17
